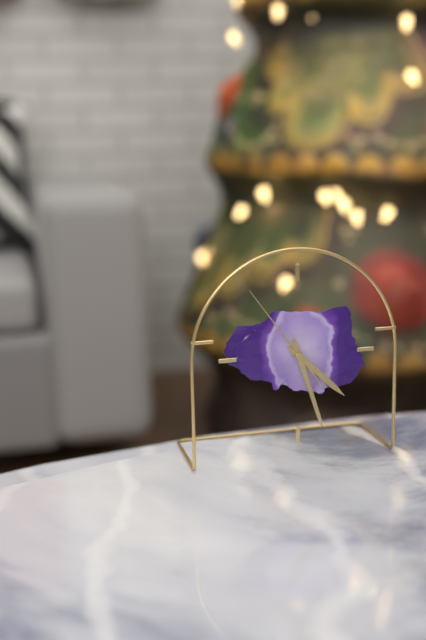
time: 4:27:54
